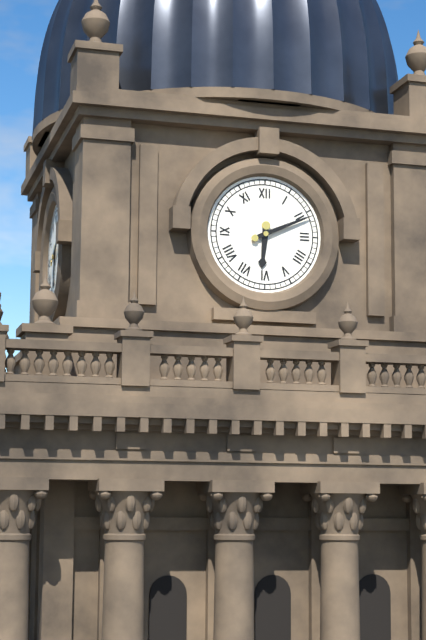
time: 6:11
